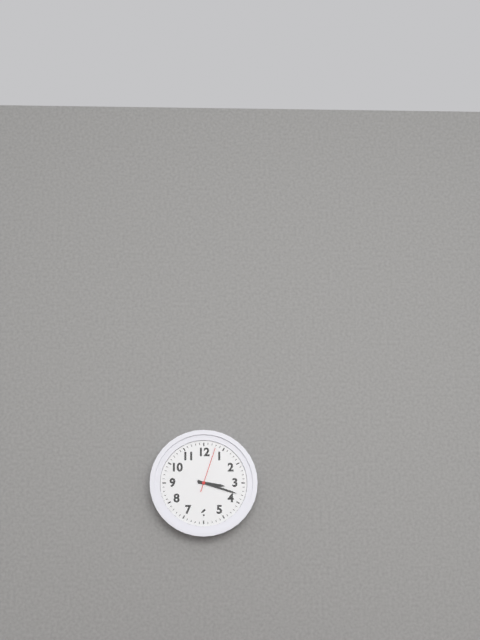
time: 3:18
